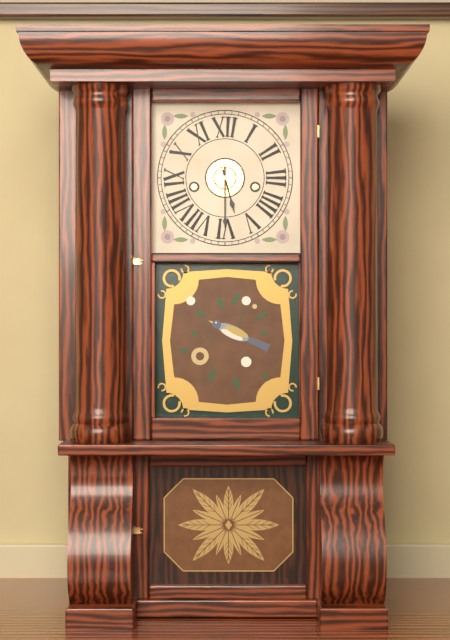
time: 5:30
